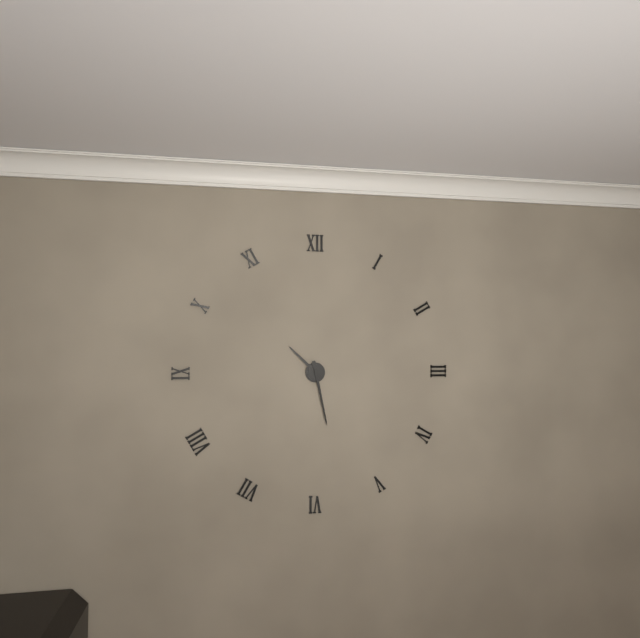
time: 10:28
